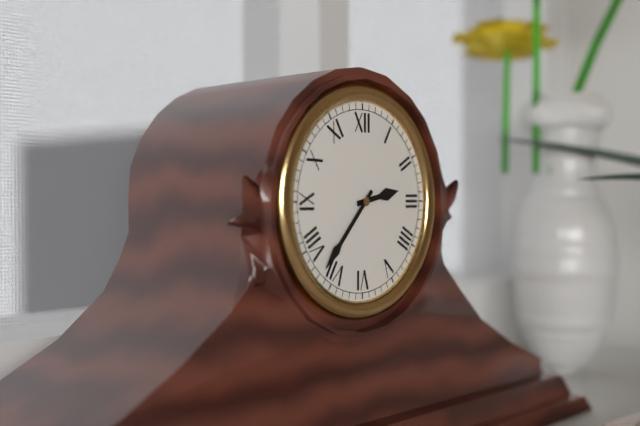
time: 2:37
